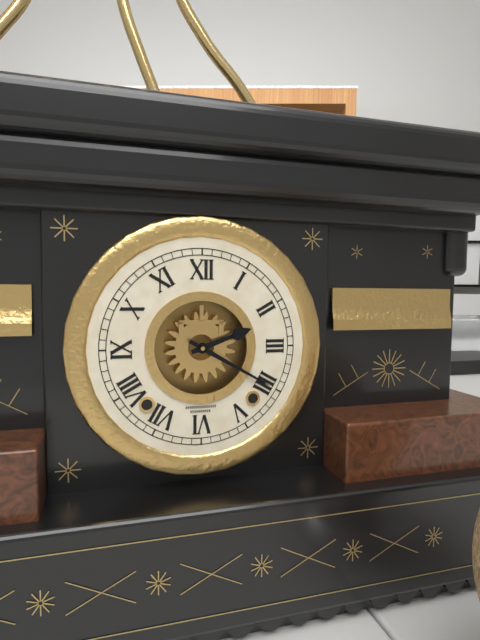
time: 2:20
